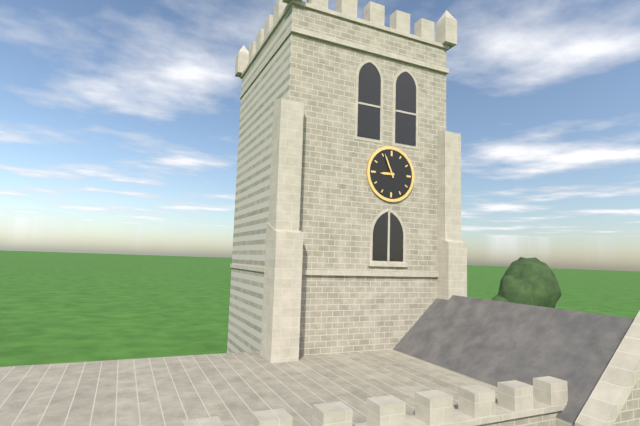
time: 8:56
